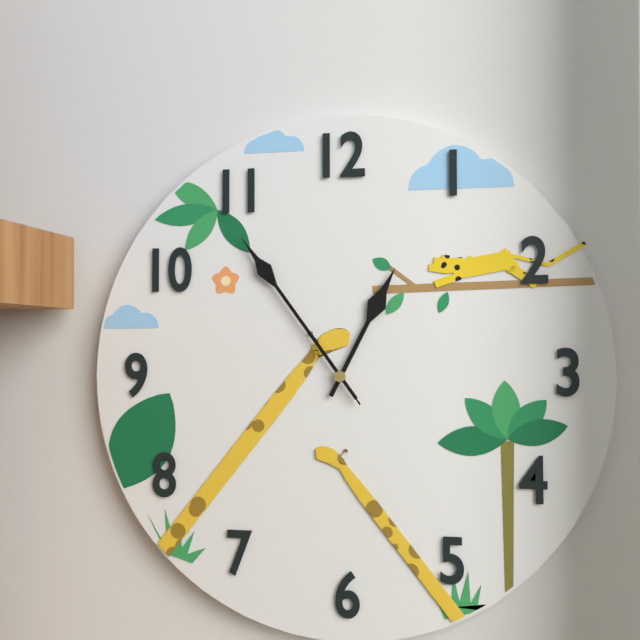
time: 12:54:54
